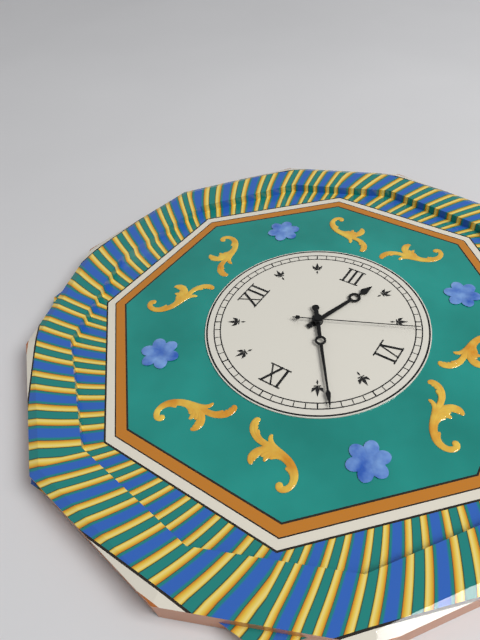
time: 3:39:26
